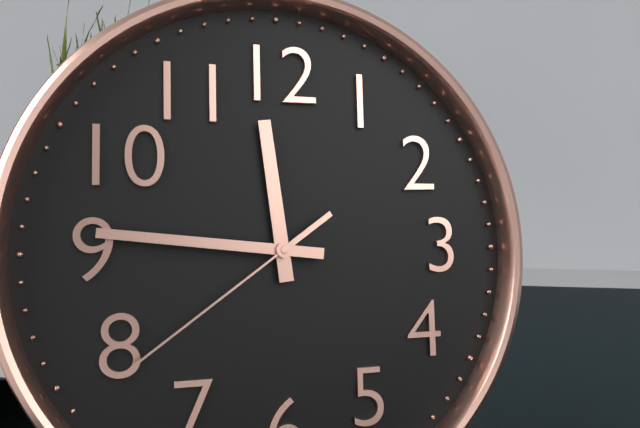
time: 11:46:39
